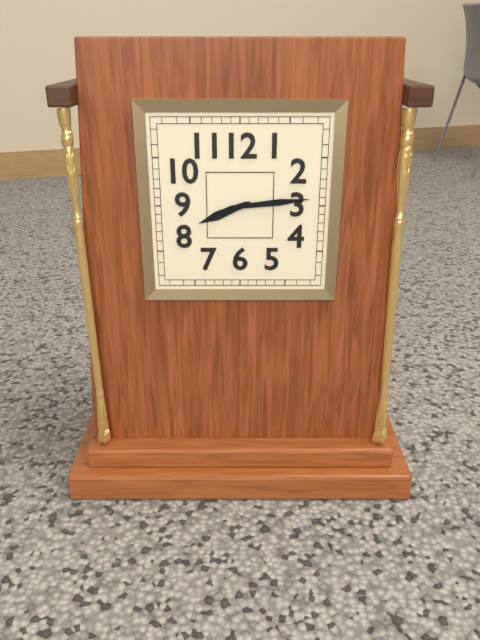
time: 8:14
